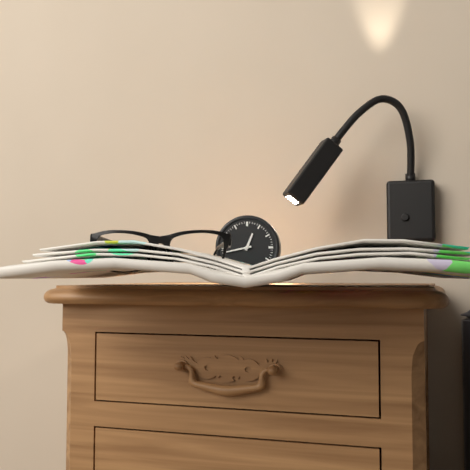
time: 12:43
